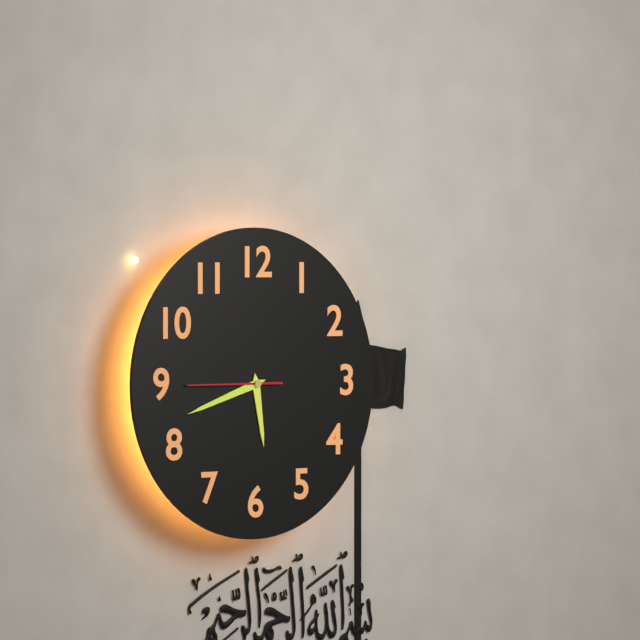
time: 5:42:45
